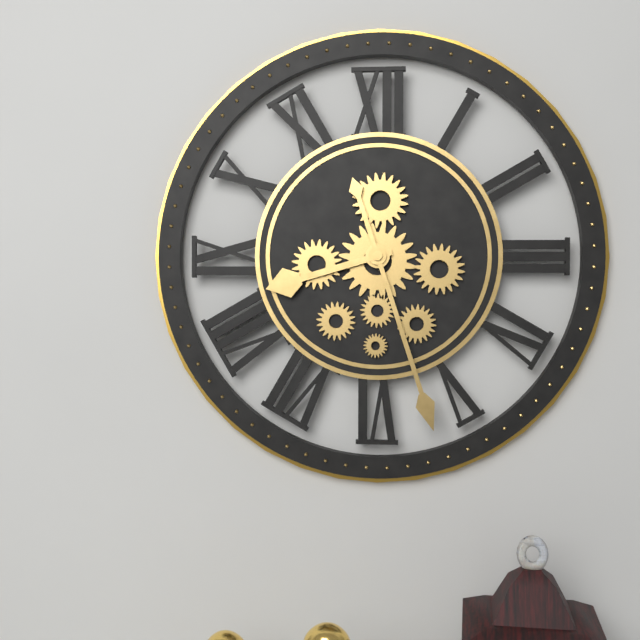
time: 8:27
